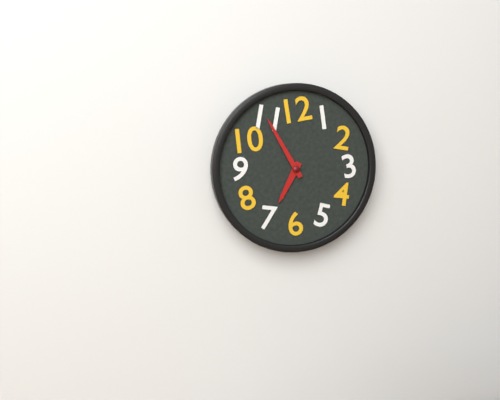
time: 6:55
